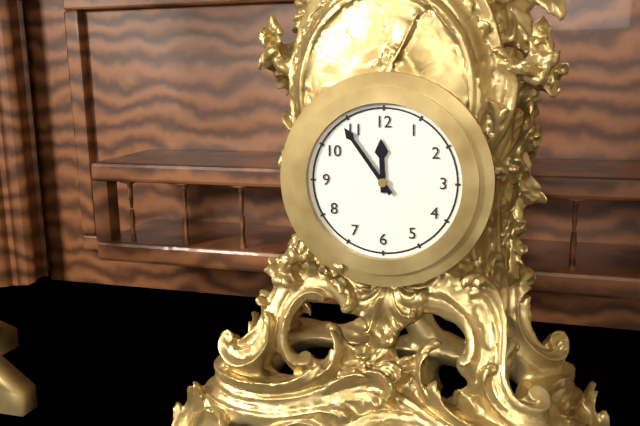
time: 11:54
